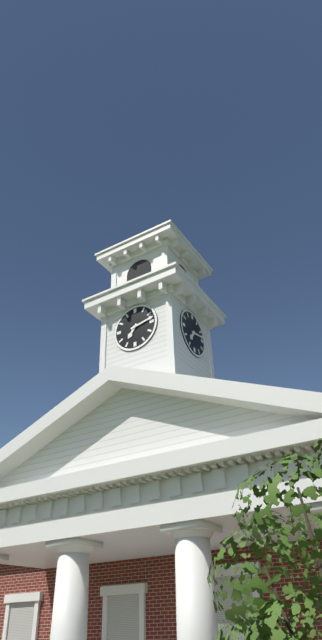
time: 7:13
